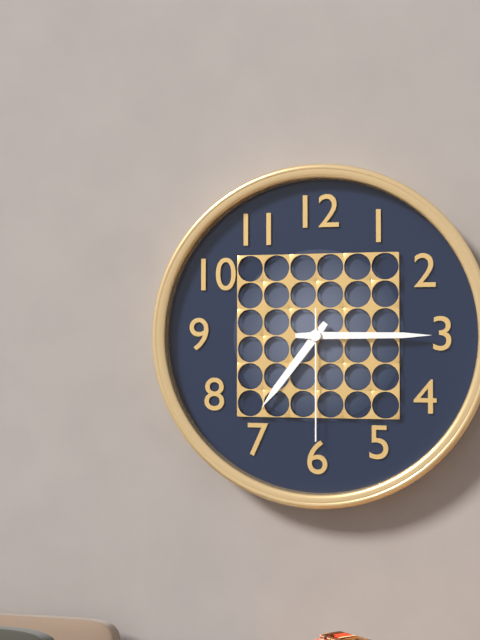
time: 7:15:30
